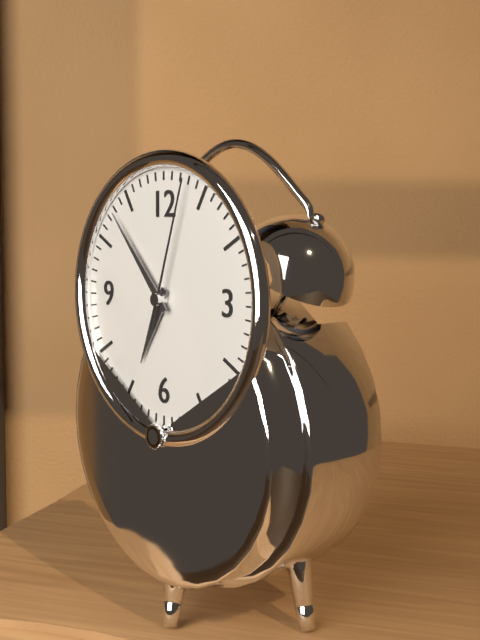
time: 6:53:03
